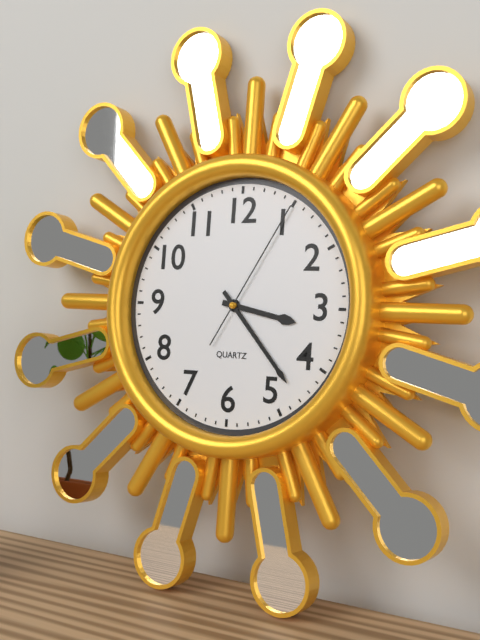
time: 3:23:05
